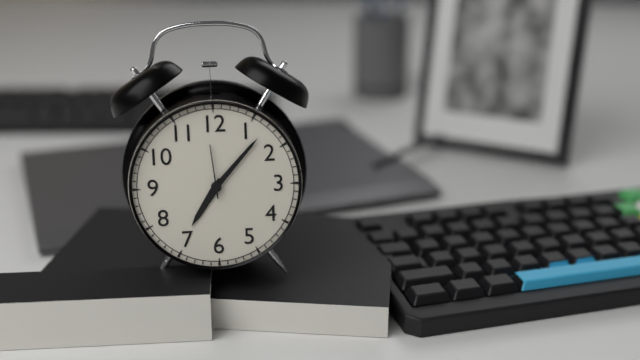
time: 7:07
